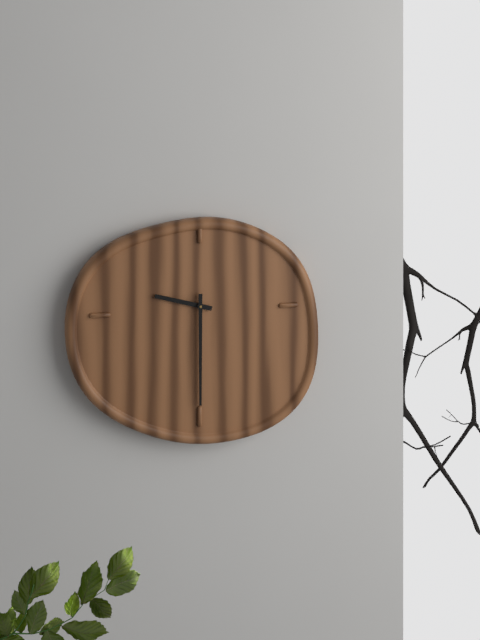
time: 9:30
